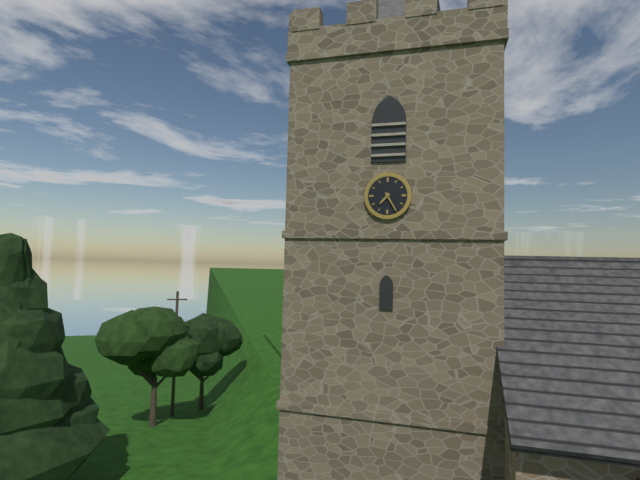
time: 7:25
